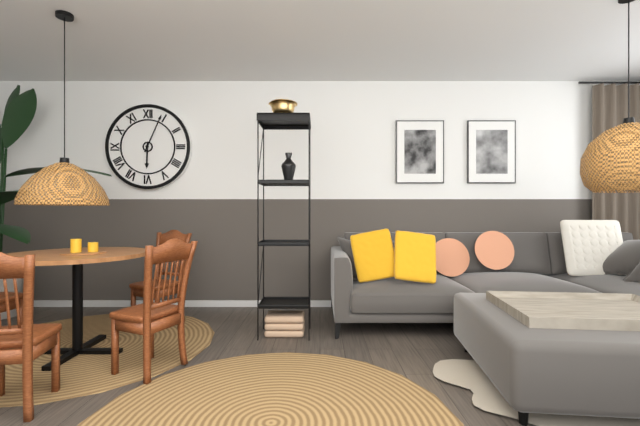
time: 6:04
